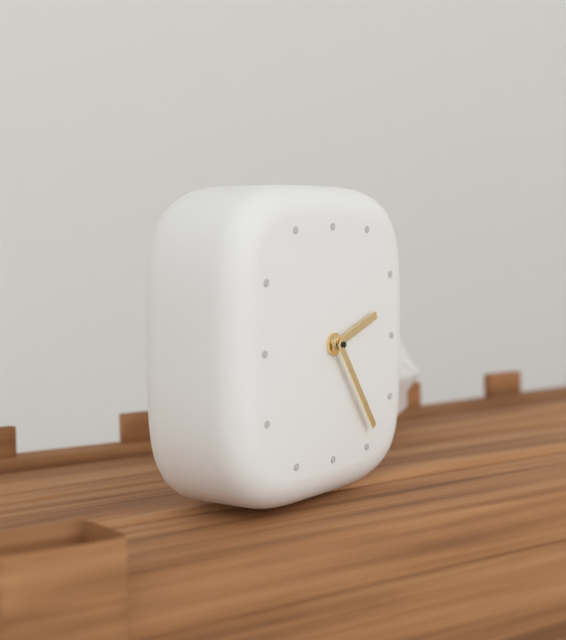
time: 2:24
